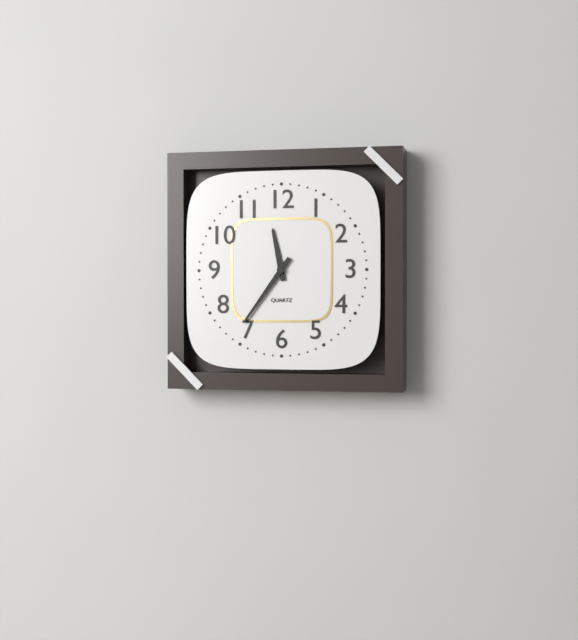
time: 11:36
